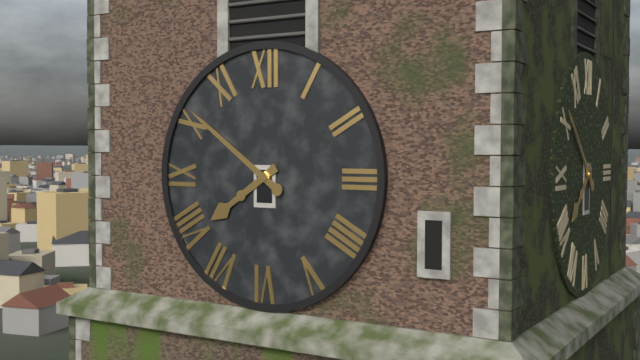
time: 7:51
